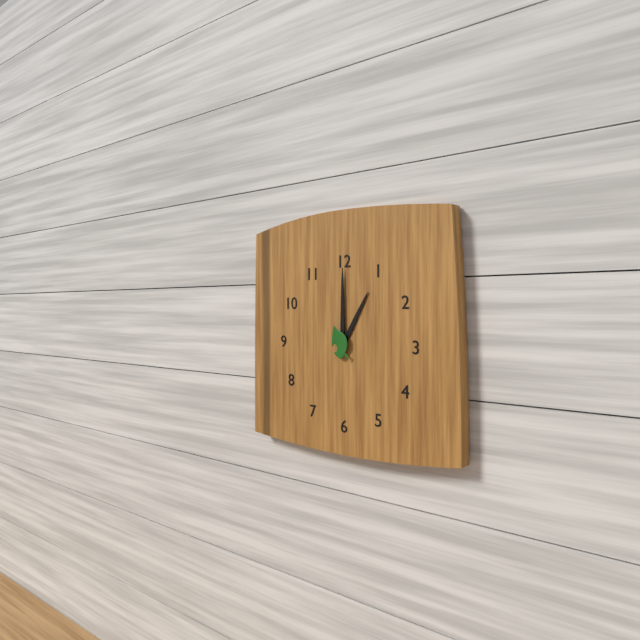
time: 1:00
